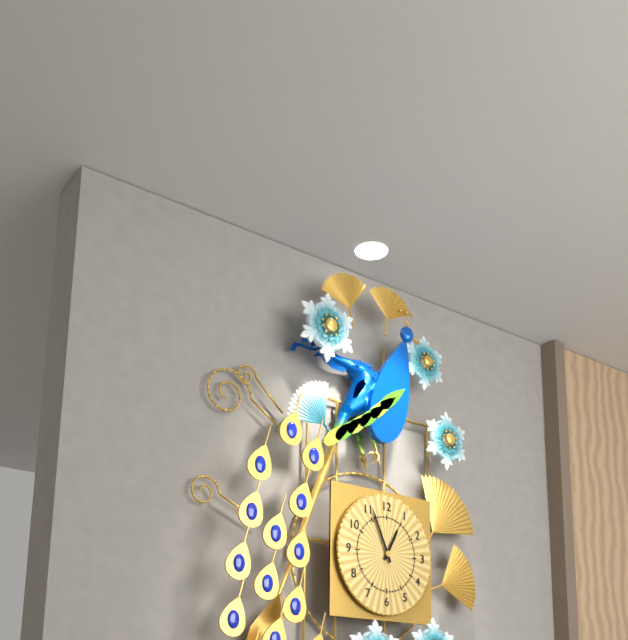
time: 12:56
